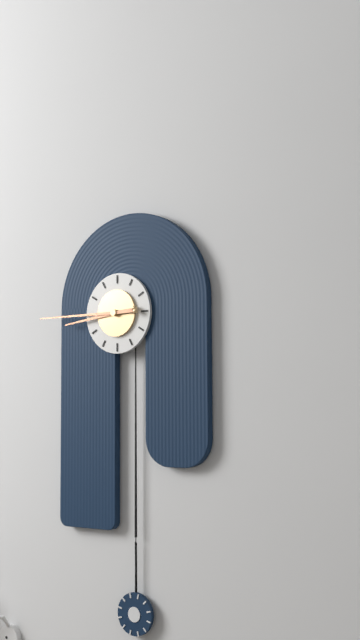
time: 8:45
